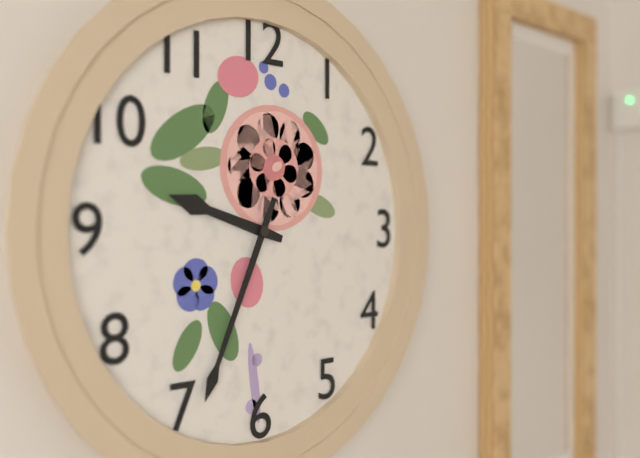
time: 9:34
